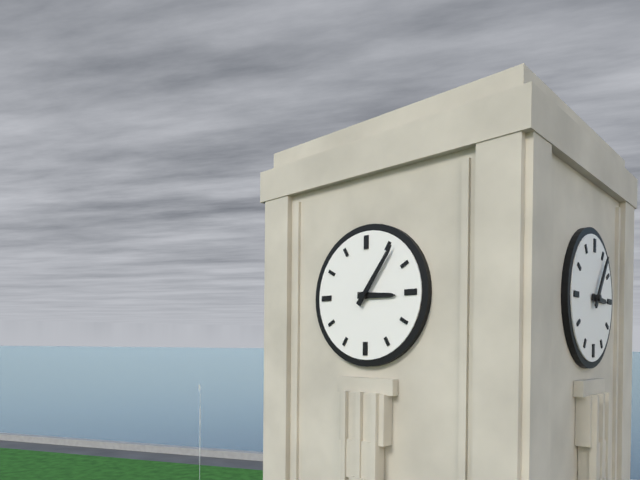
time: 3:06
